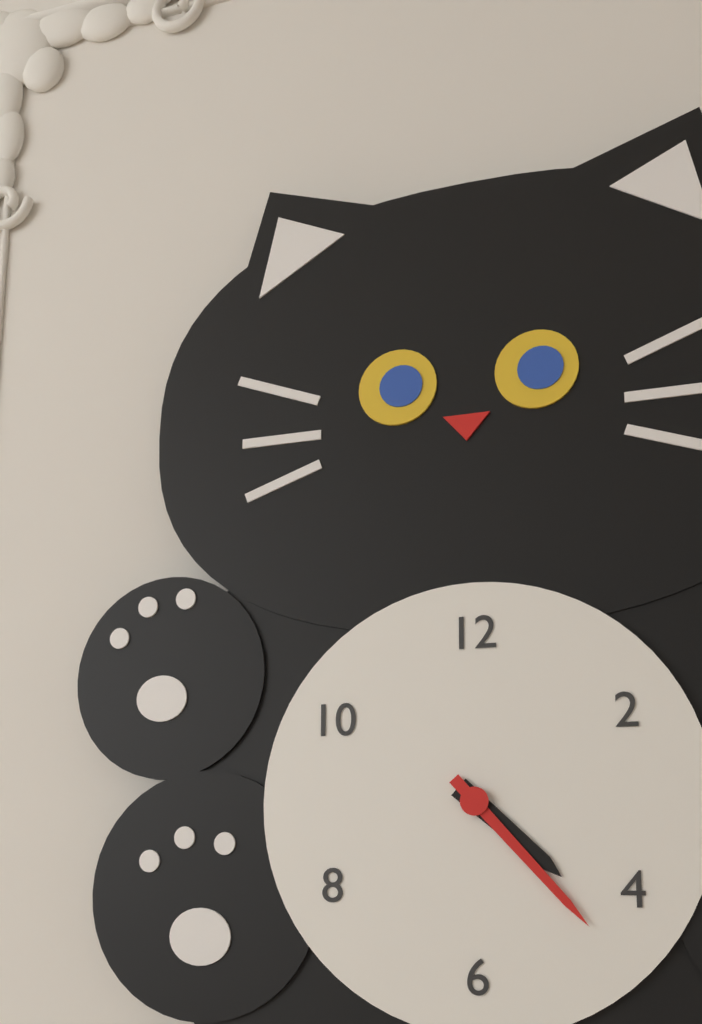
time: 4:23
